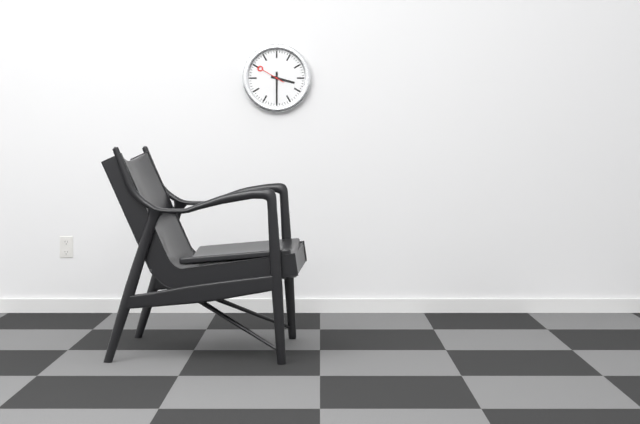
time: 3:30
